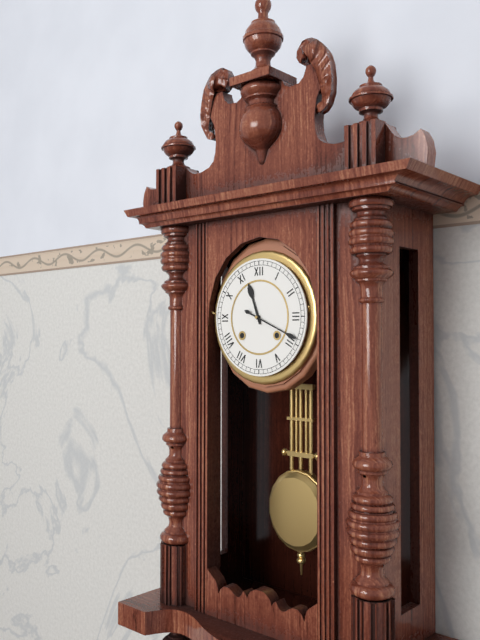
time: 11:19
